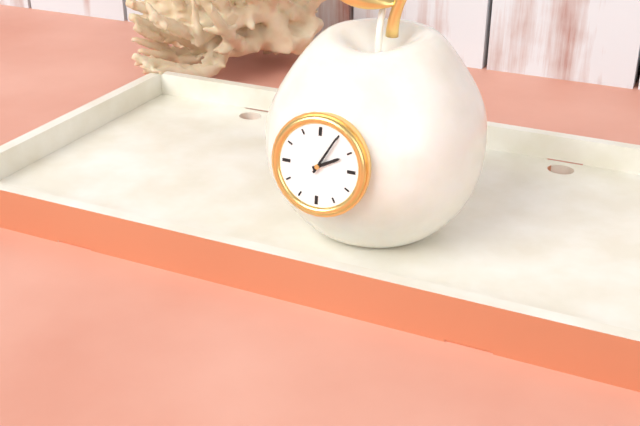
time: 2:05
